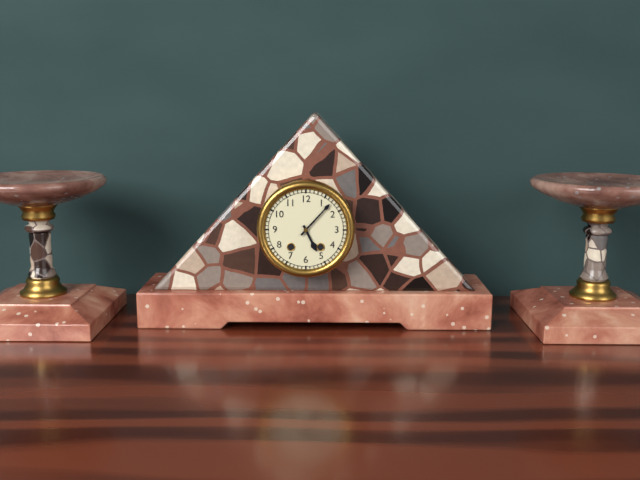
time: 5:07
